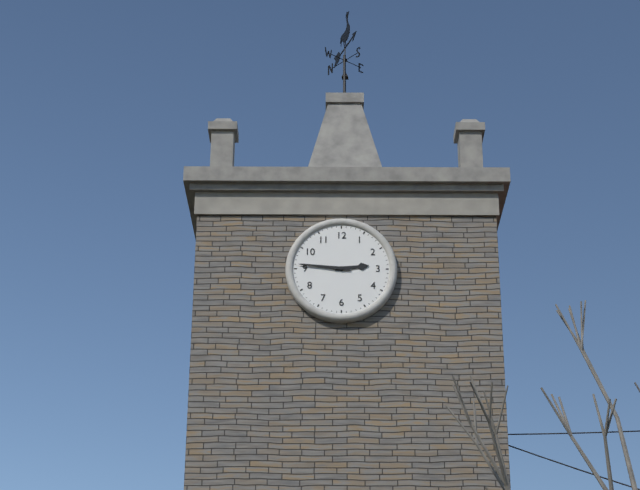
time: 2:46
